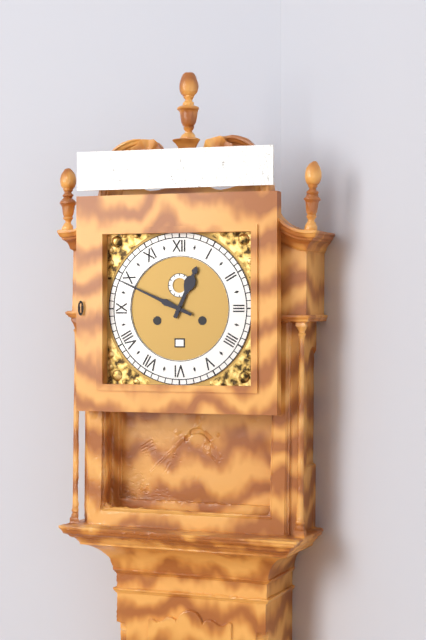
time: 12:49
